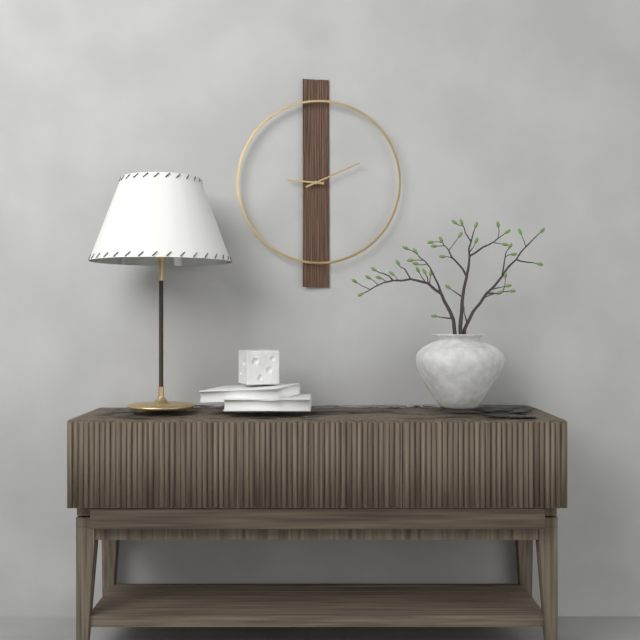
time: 9:11
